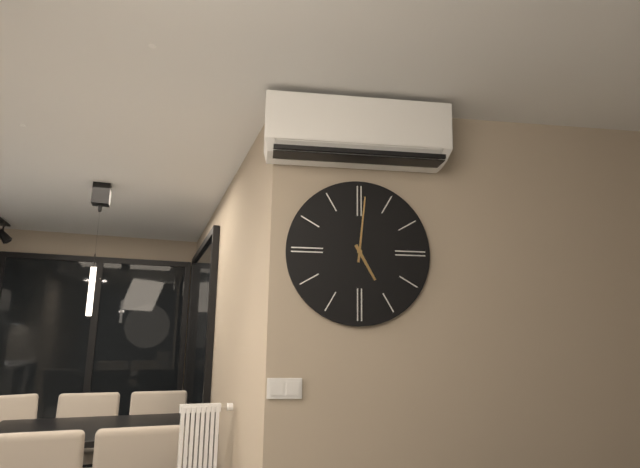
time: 5:01
